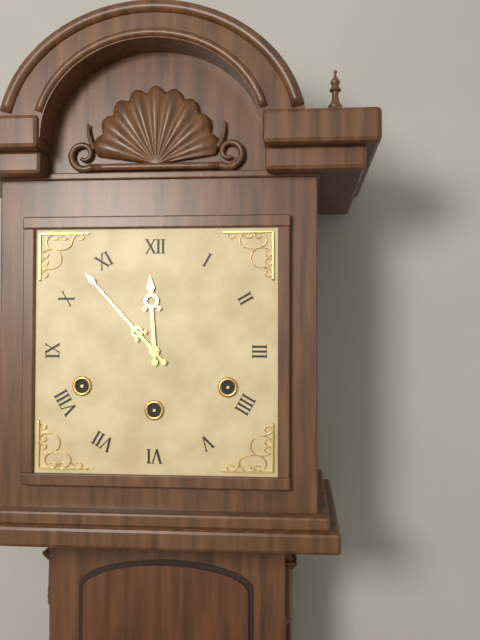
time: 11:53
